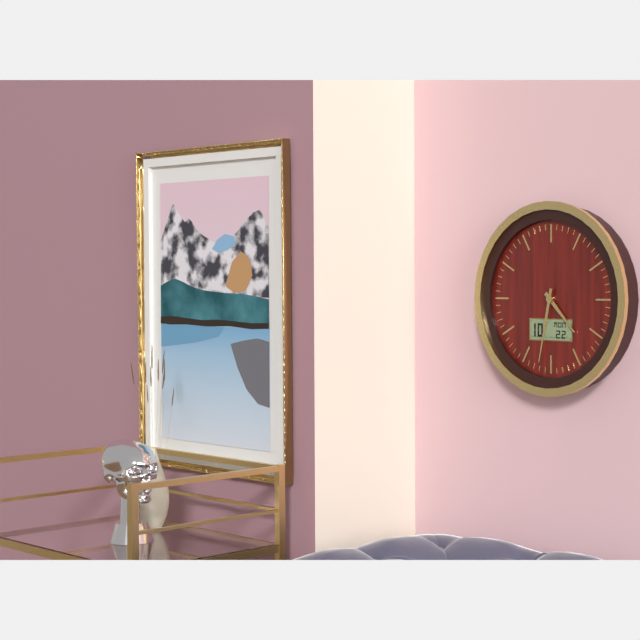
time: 4:32
